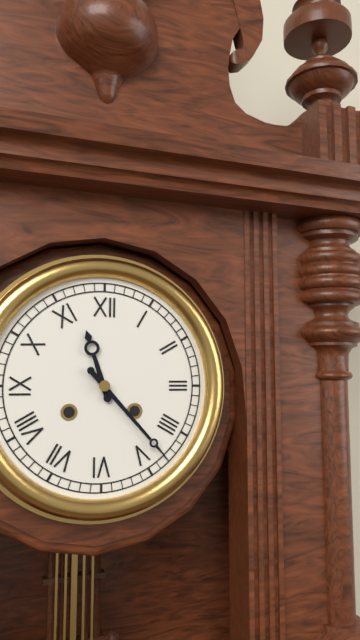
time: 11:23
